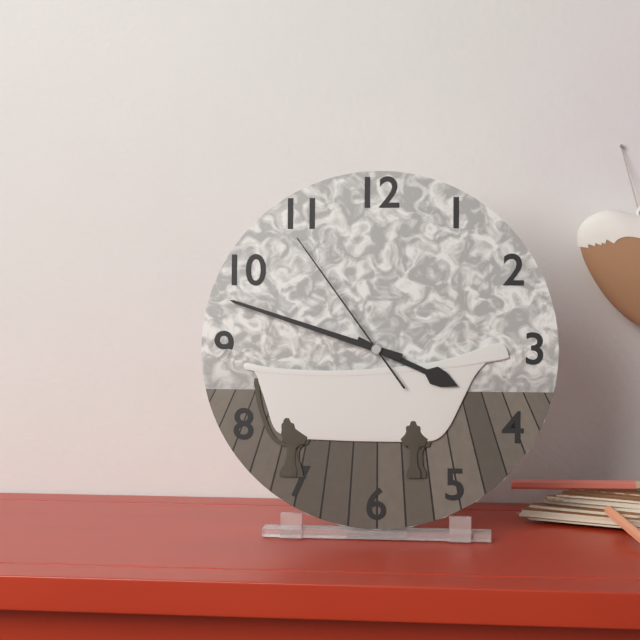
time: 3:48:54
